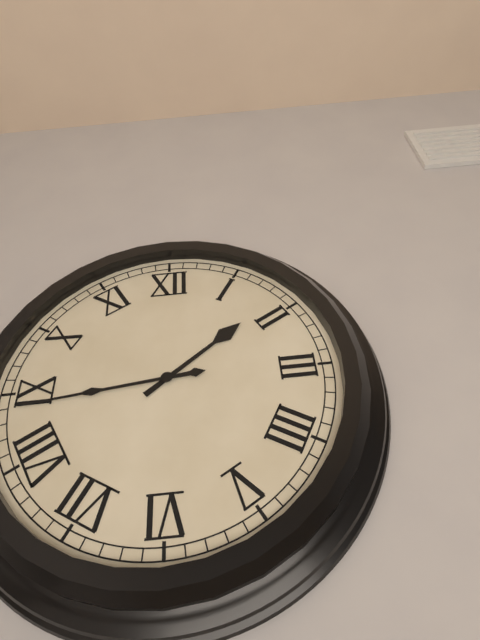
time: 1:44
